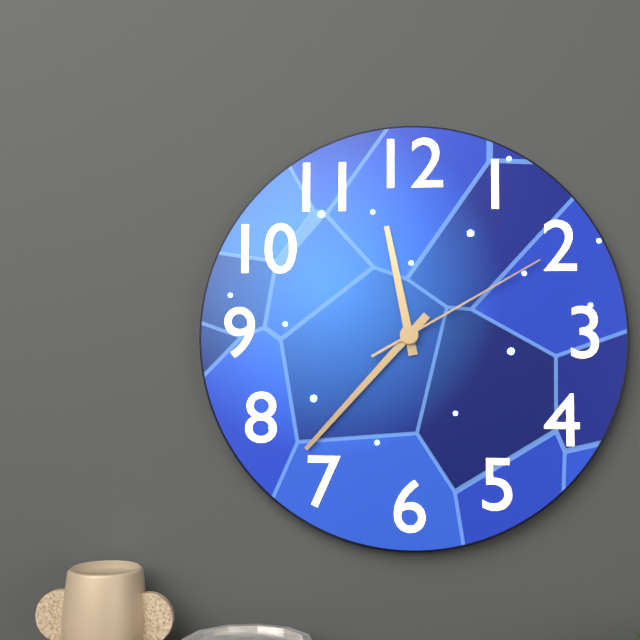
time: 11:37:10
